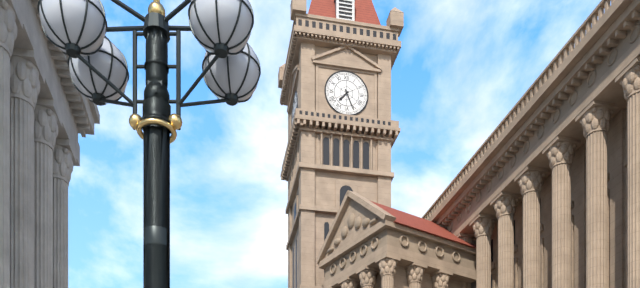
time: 7:26
